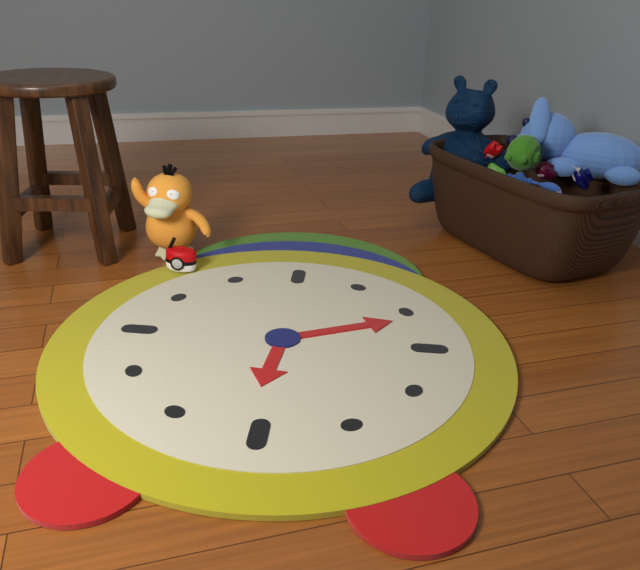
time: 6:11
